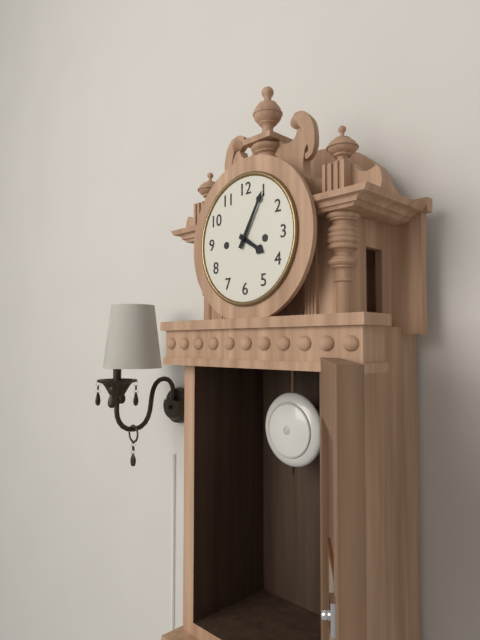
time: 4:05
